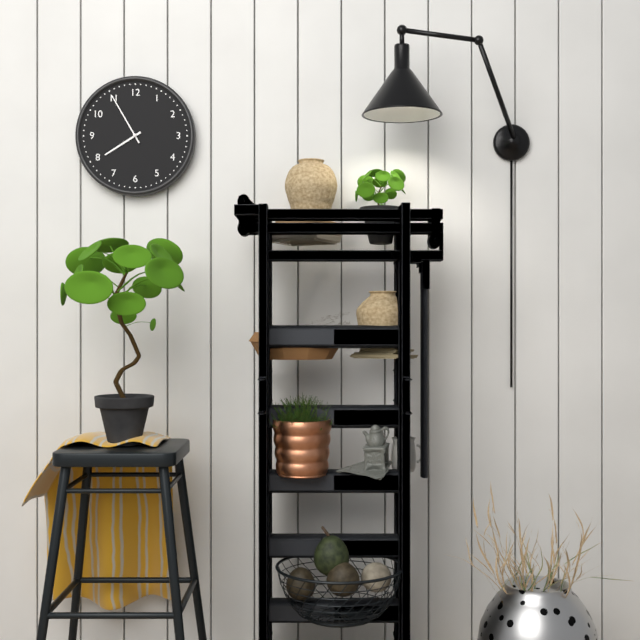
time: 7:55
